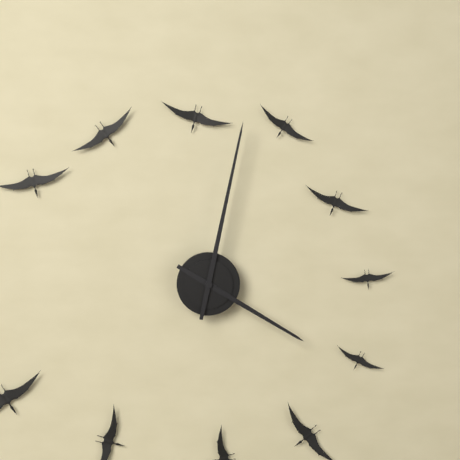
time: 4:02
